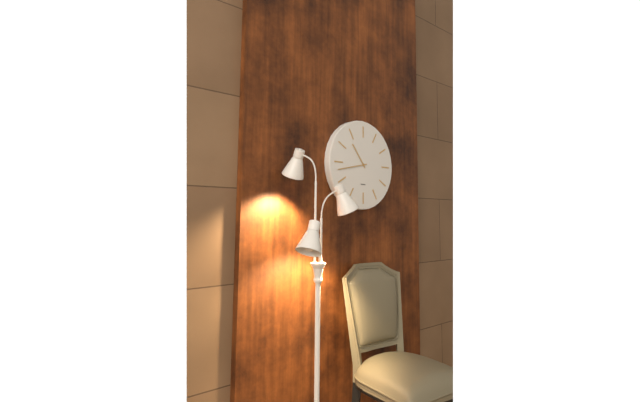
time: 10:43
